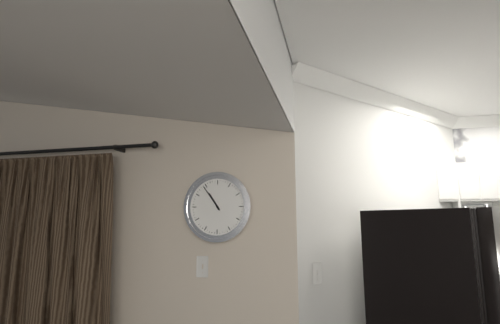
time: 10:54
